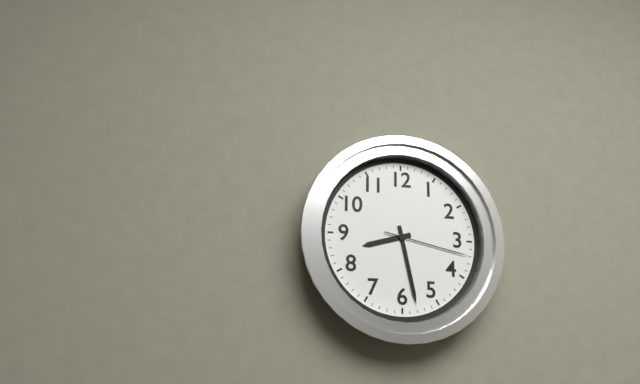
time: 8:28:17
